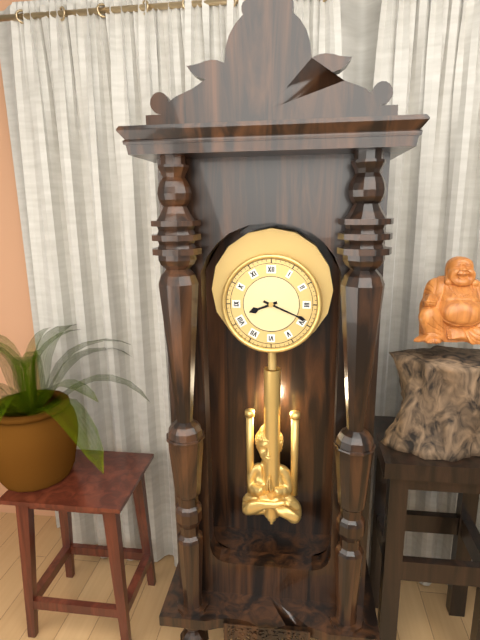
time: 8:19
